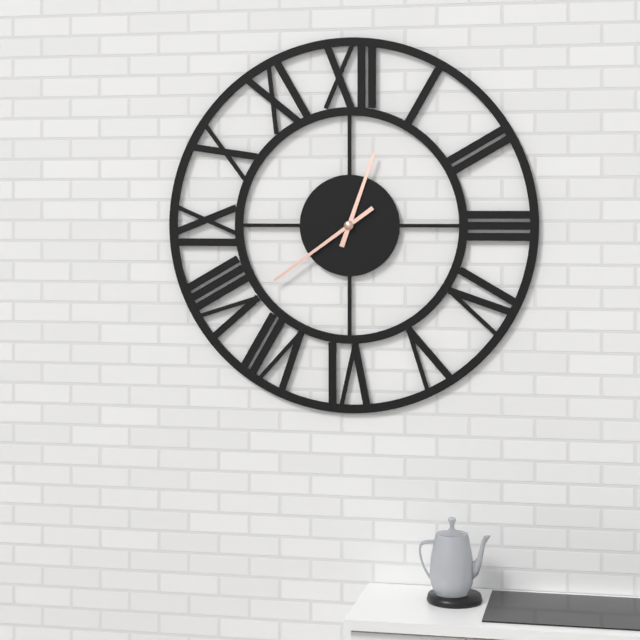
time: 12:39
